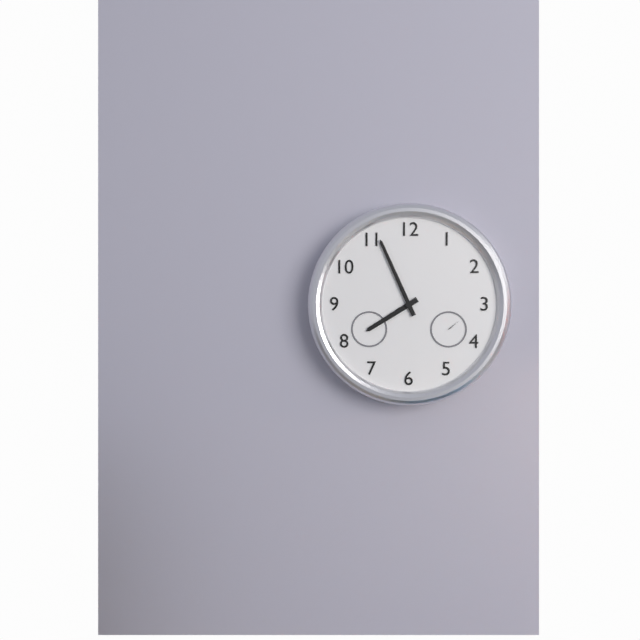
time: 7:56
